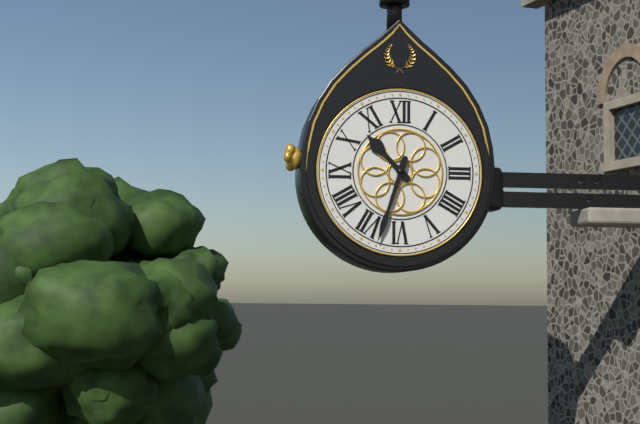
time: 10:33
